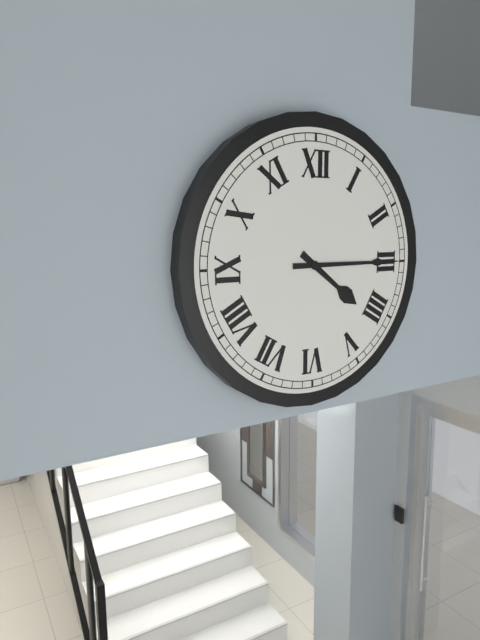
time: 4:15
